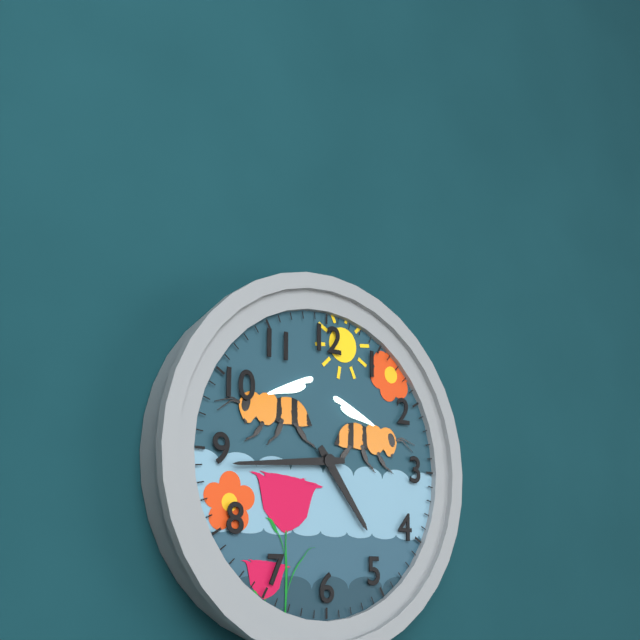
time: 4:44
